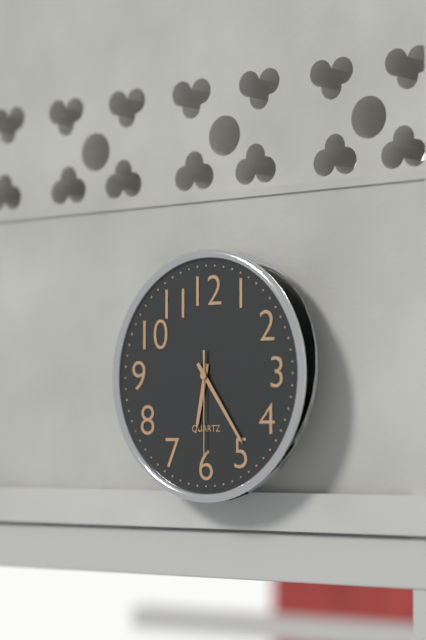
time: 6:24:30
